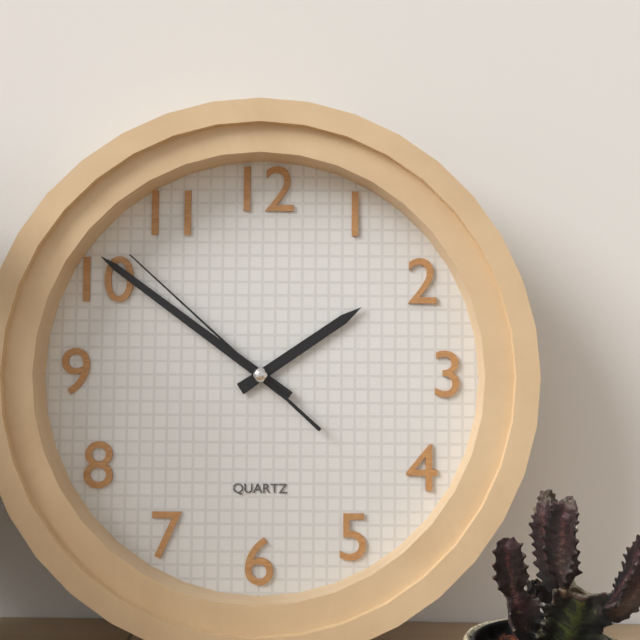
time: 1:51:52
